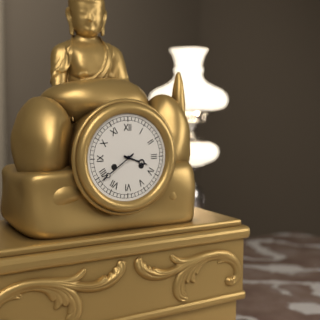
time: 3:39
